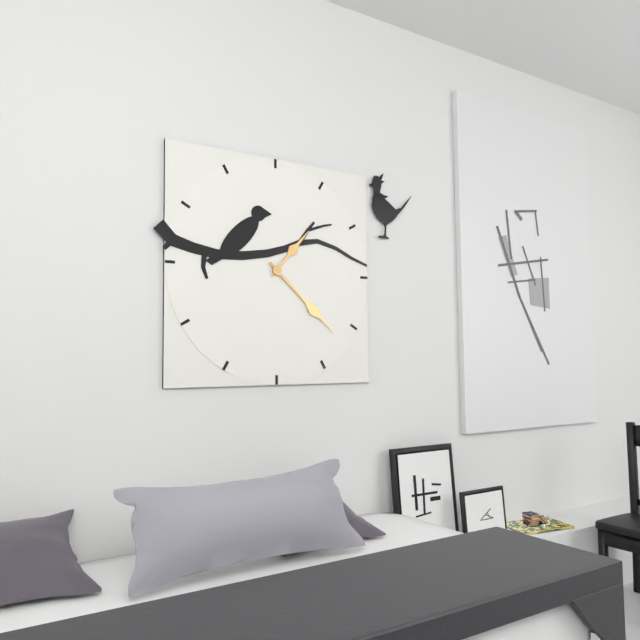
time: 1:22
